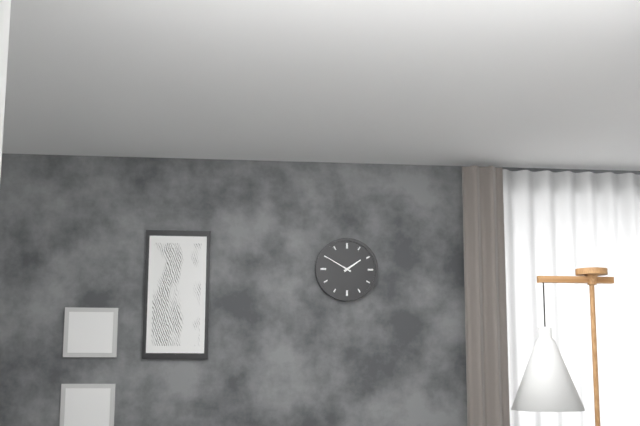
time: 1:50
